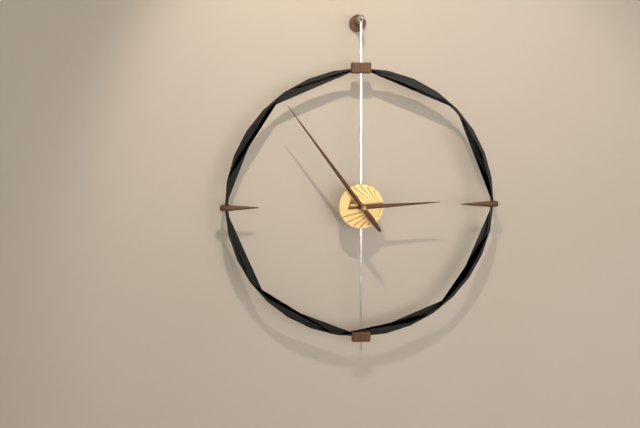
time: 2:54:54
